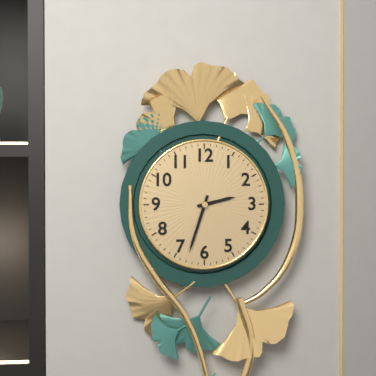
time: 2:33
